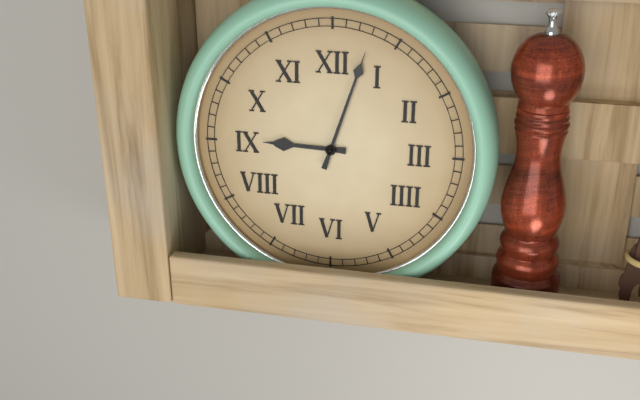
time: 9:03
